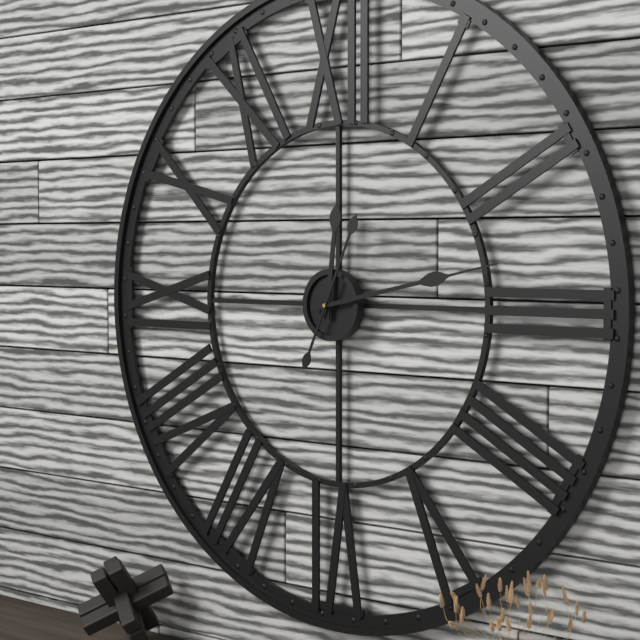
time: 12:13:04
